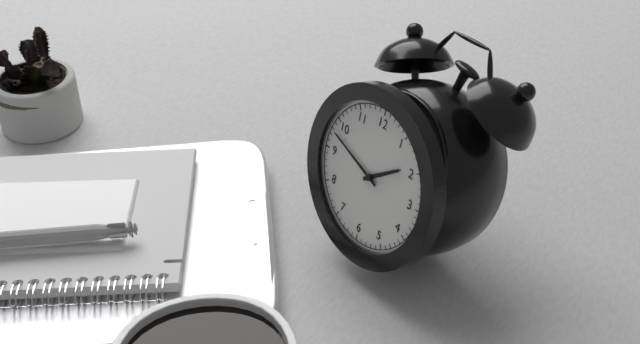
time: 1:48
